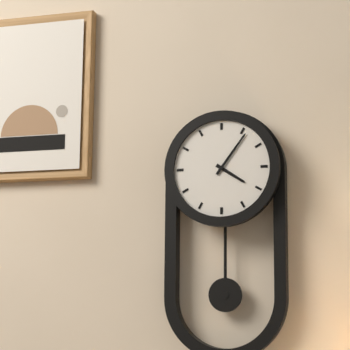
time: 4:06
